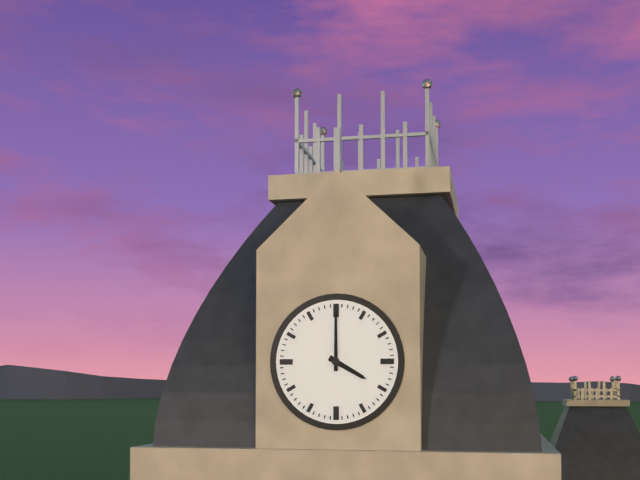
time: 4:00
